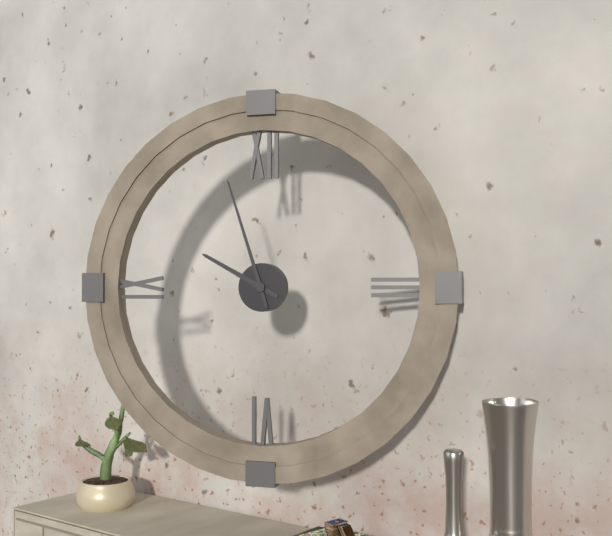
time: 9:57
